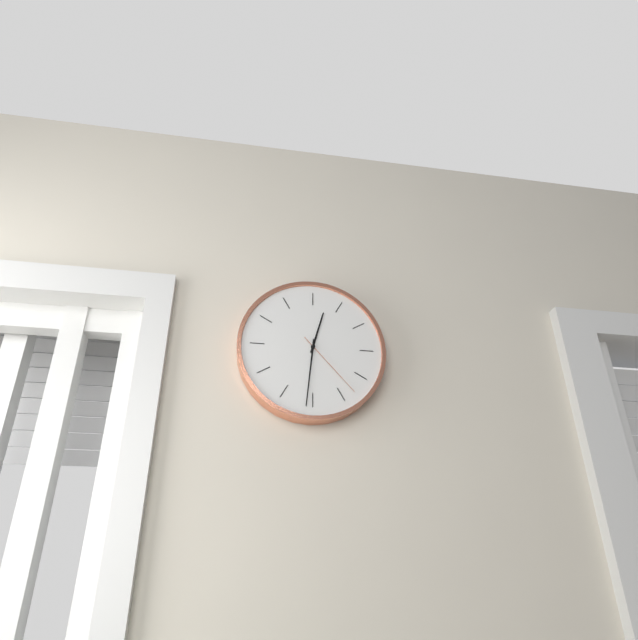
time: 12:31:23
